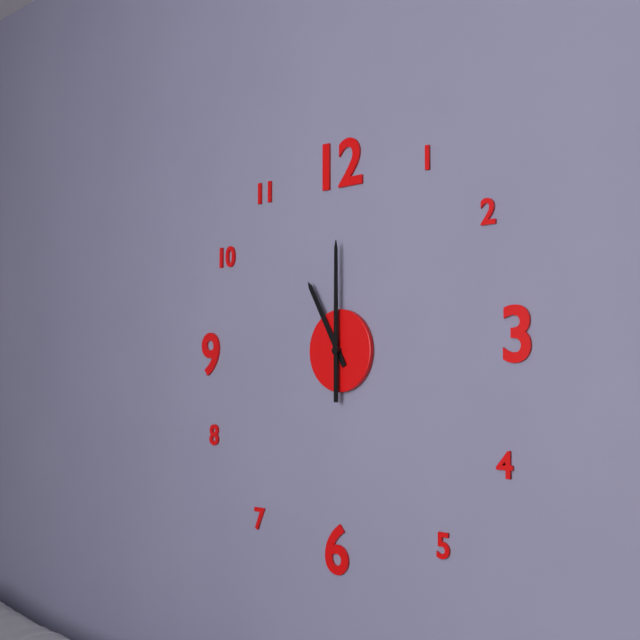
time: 11:00
